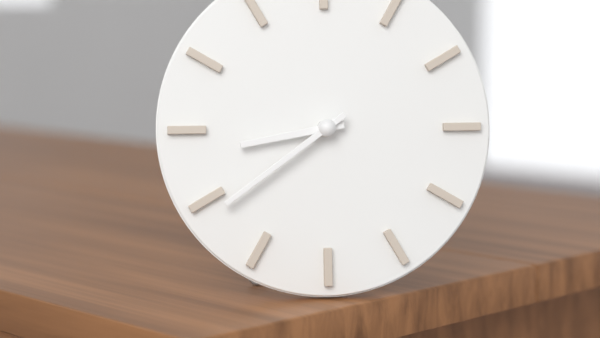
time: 8:39
